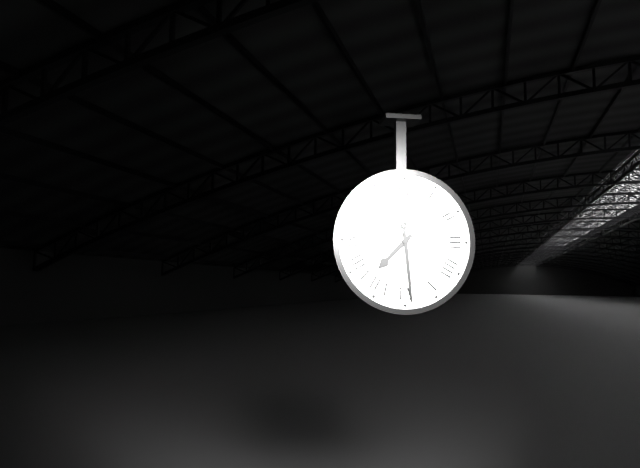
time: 7:29
